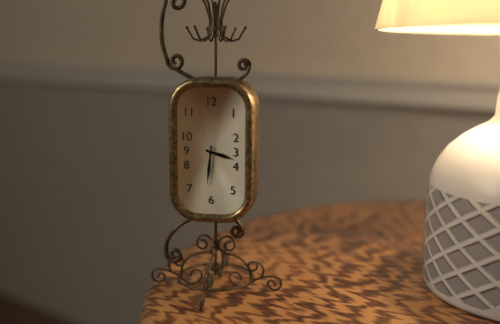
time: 3:31
